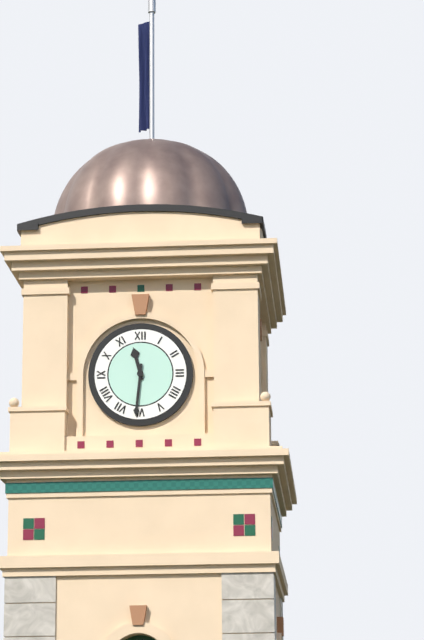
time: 11:31
